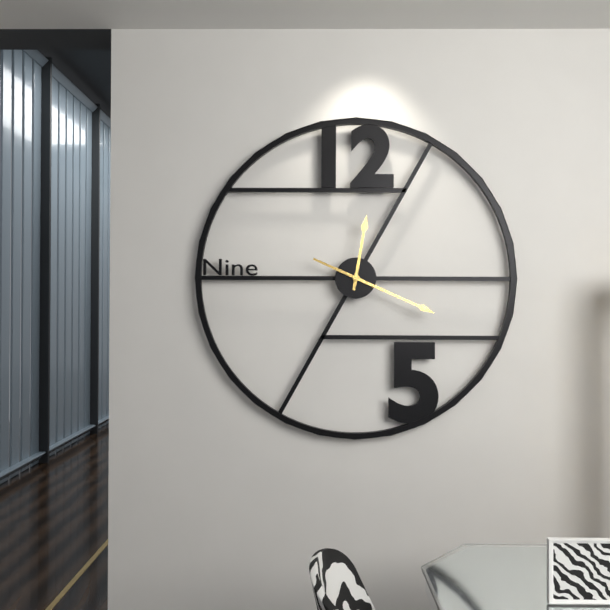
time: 12:19
